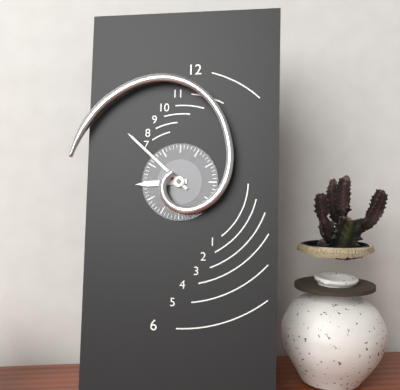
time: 8:52
